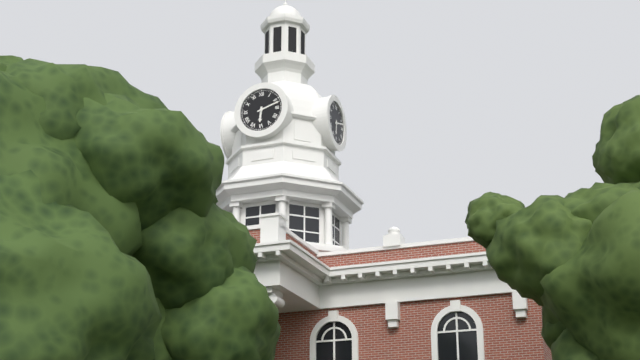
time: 6:12
